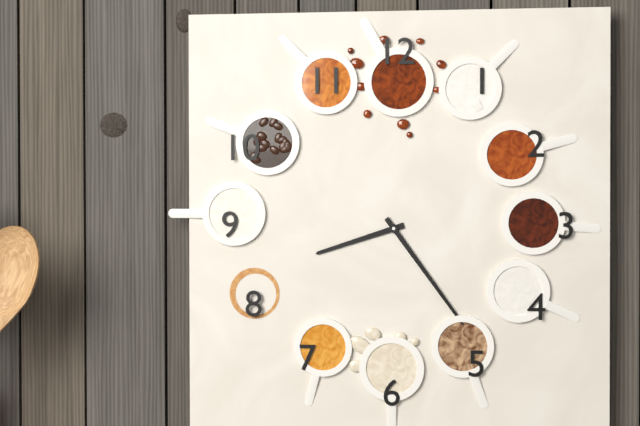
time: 8:24
